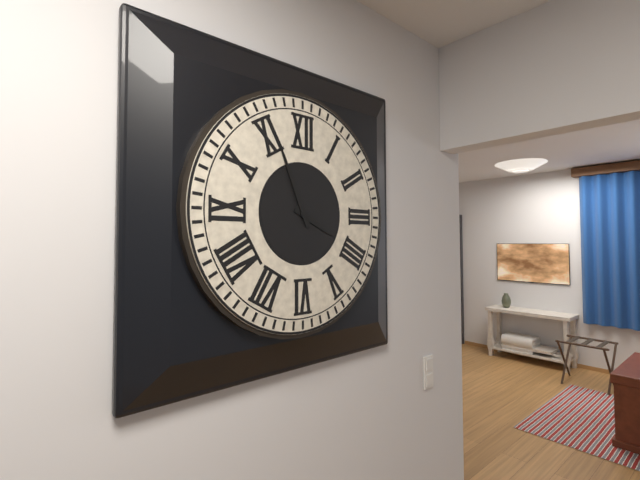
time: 3:56
